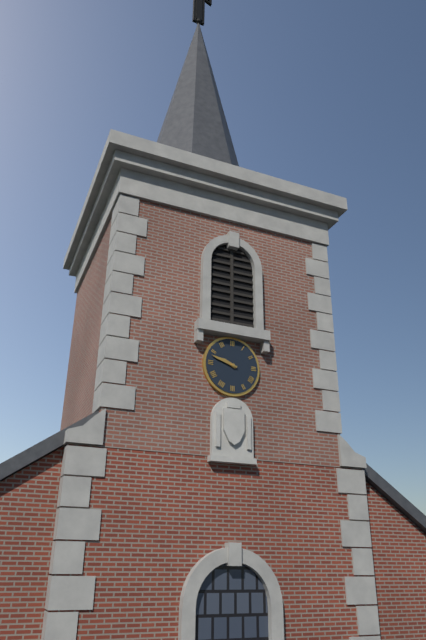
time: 9:48
